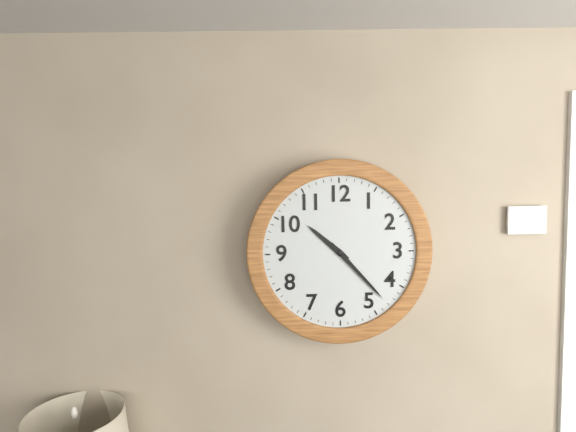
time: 10:23
